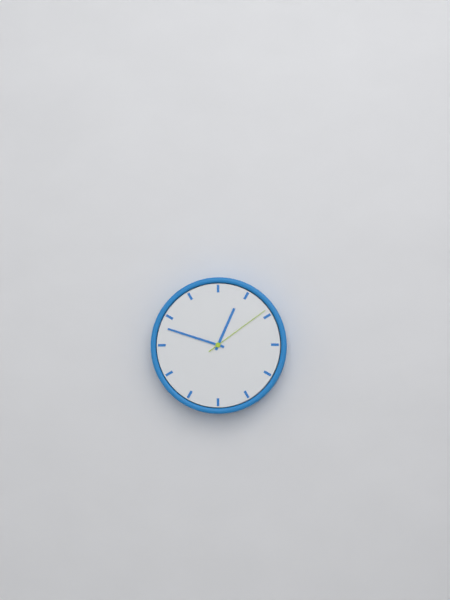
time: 12:48:09
